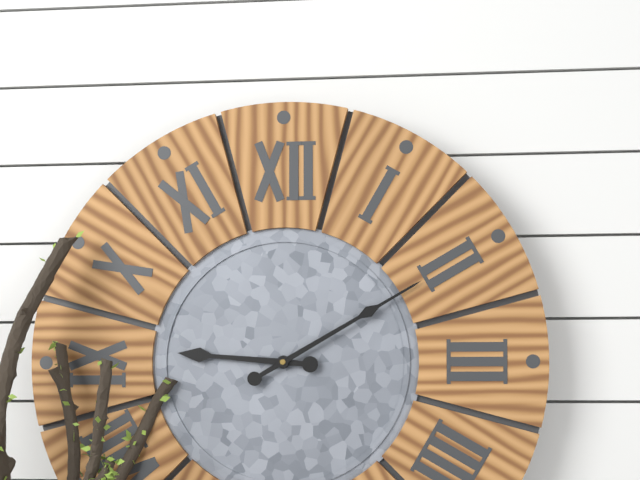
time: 9:10
